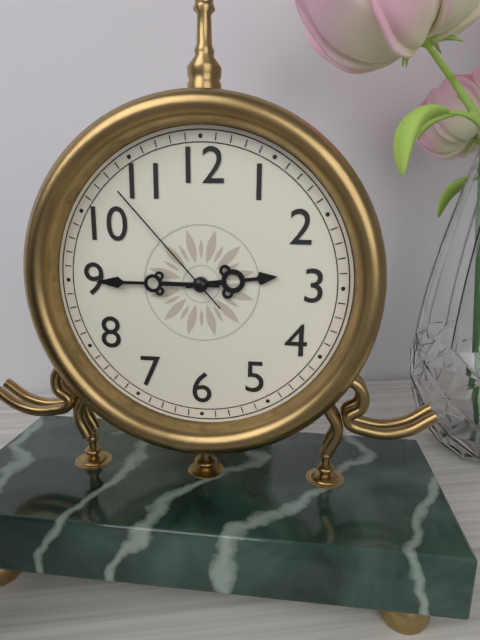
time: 2:45:53
